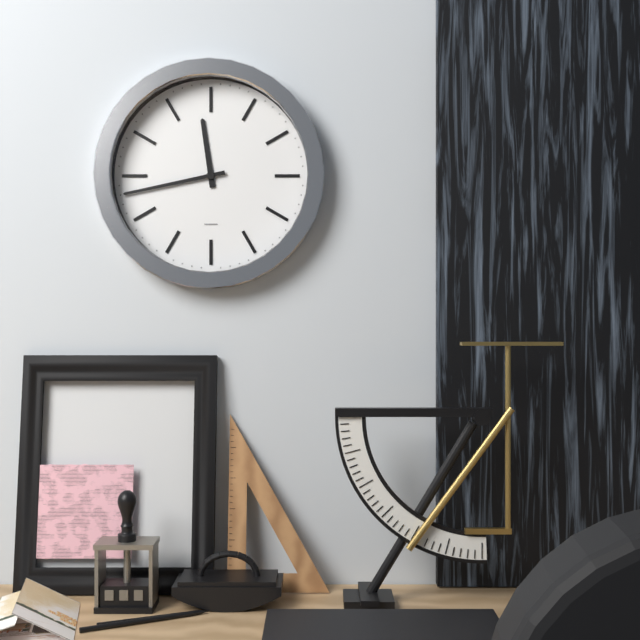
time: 11:43
